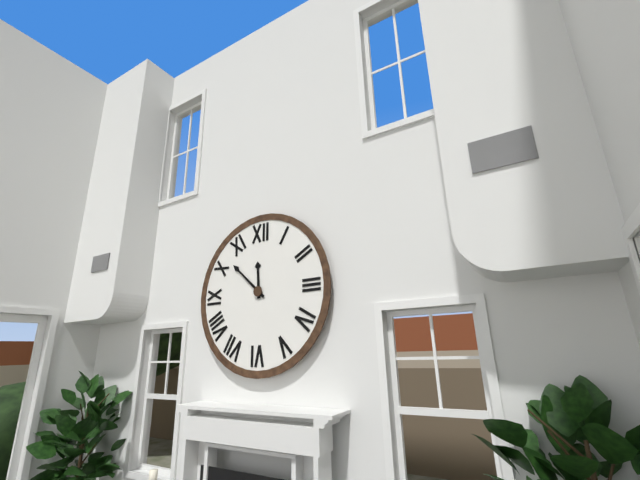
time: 11:52
